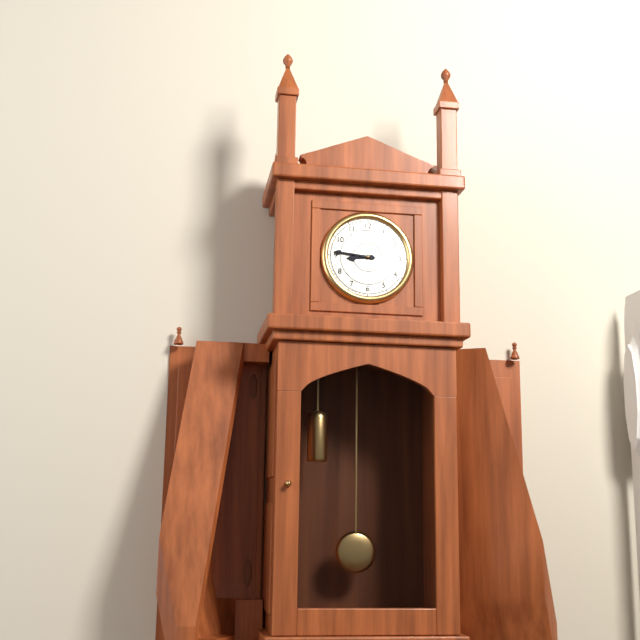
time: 8:46
